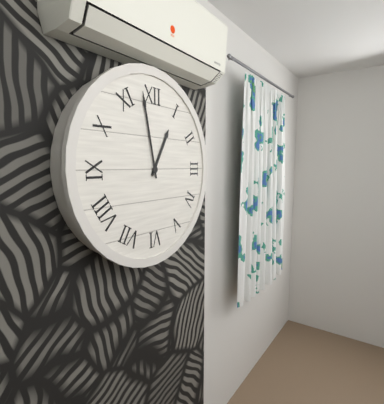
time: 12:58
